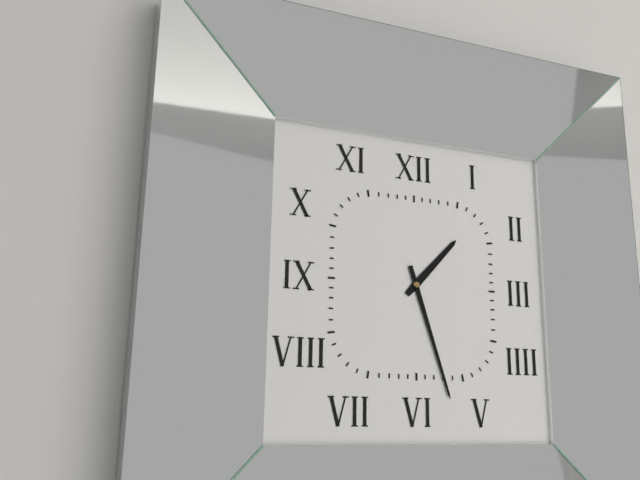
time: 1:27
